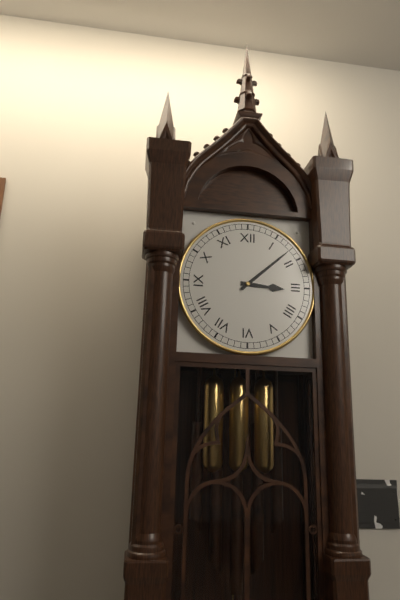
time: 3:08
